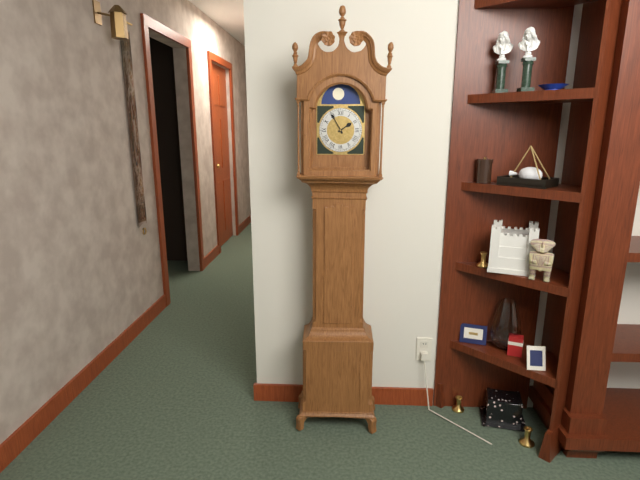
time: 1:55
